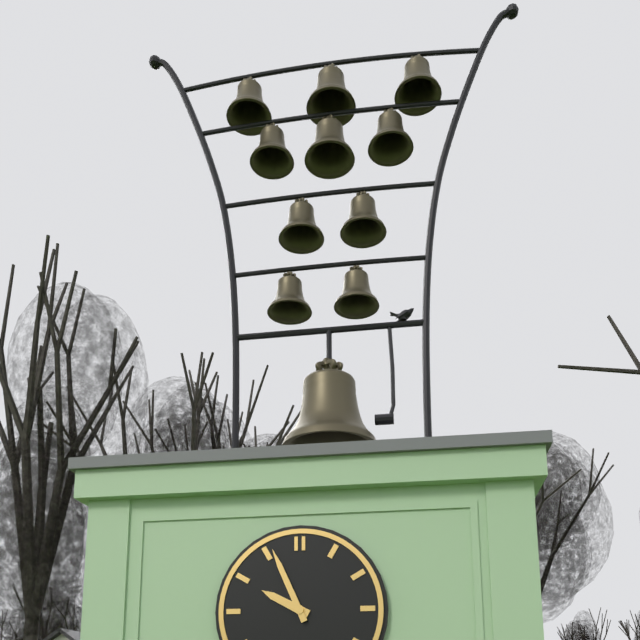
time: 9:56
